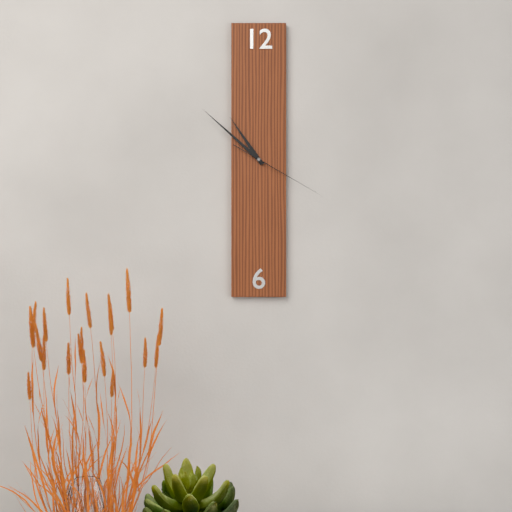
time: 10:52:20
